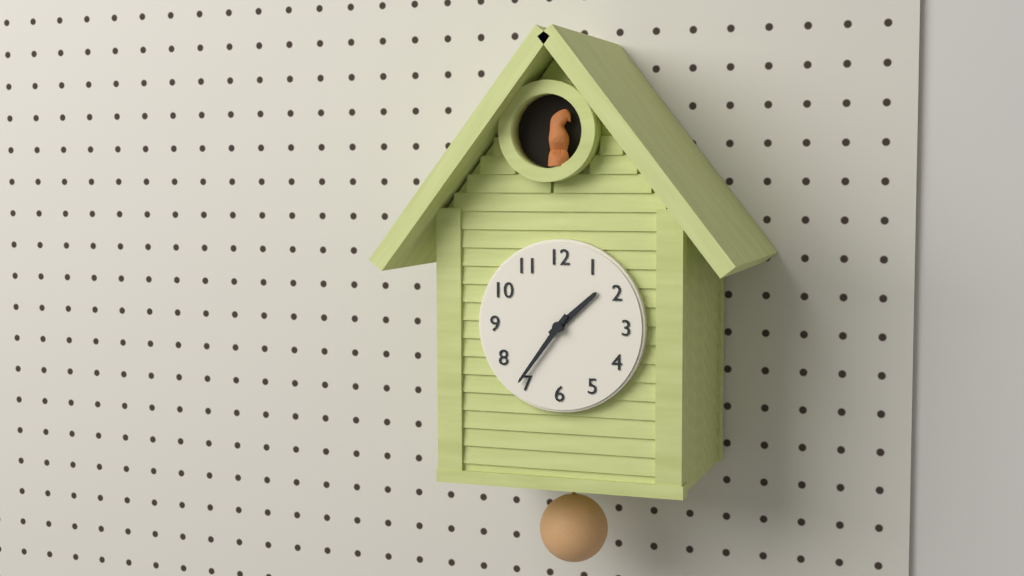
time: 1:36
